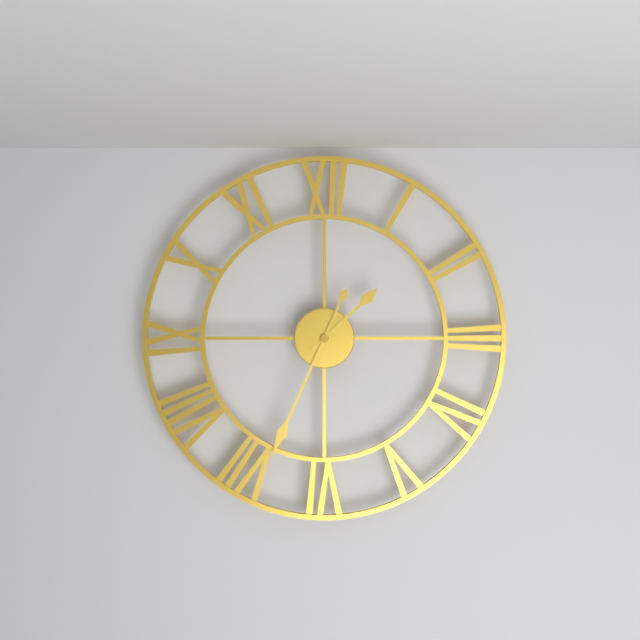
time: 1:34
